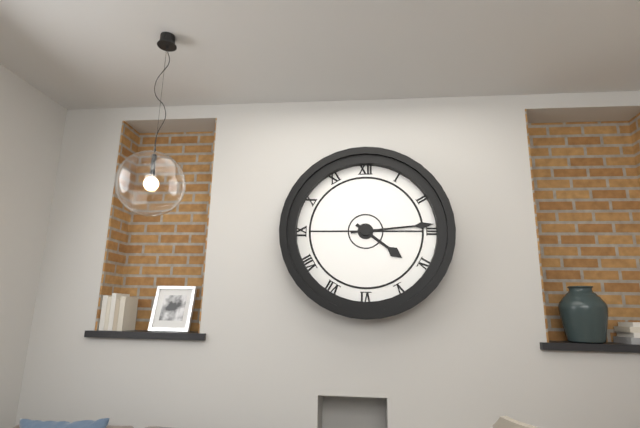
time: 4:14
